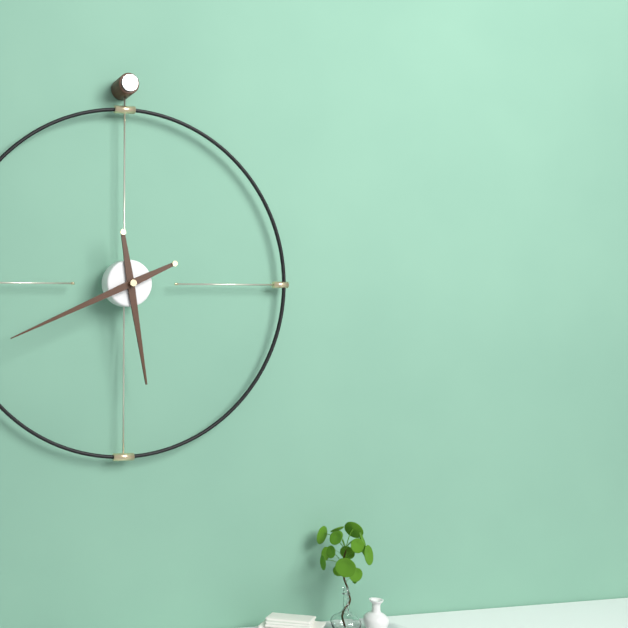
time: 5:41
